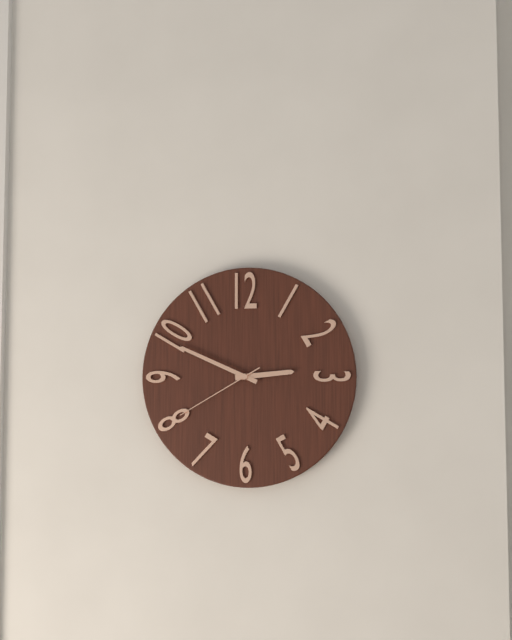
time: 2:49:40
